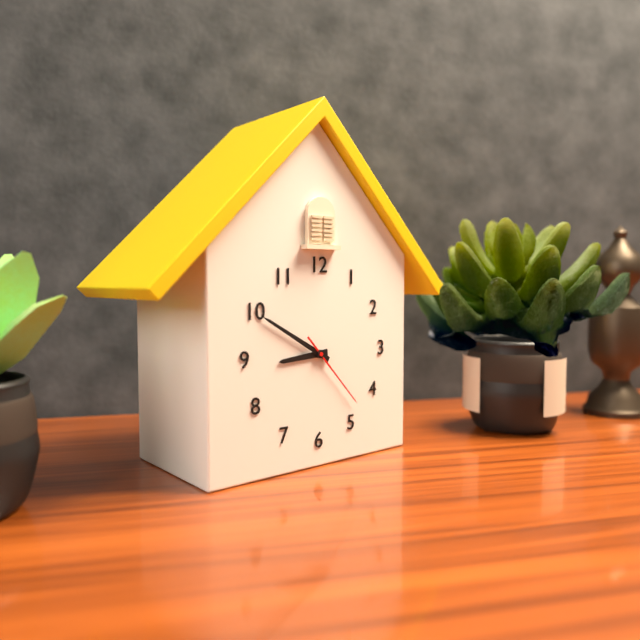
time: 8:50:23
